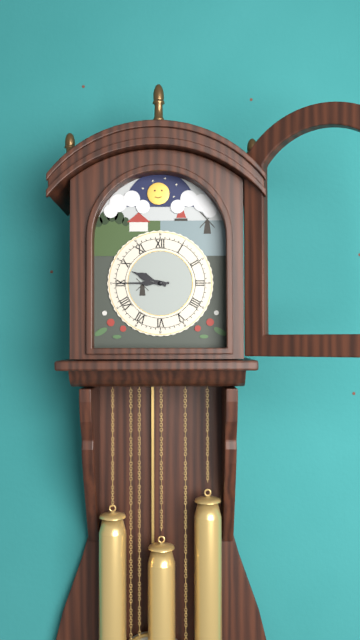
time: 9:45
